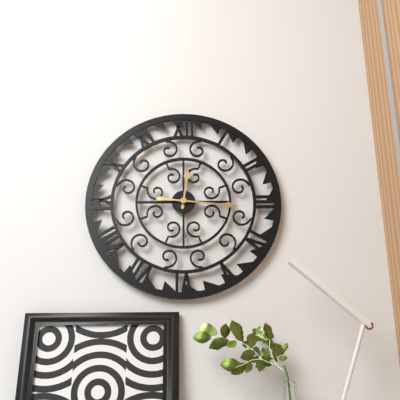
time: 12:16
